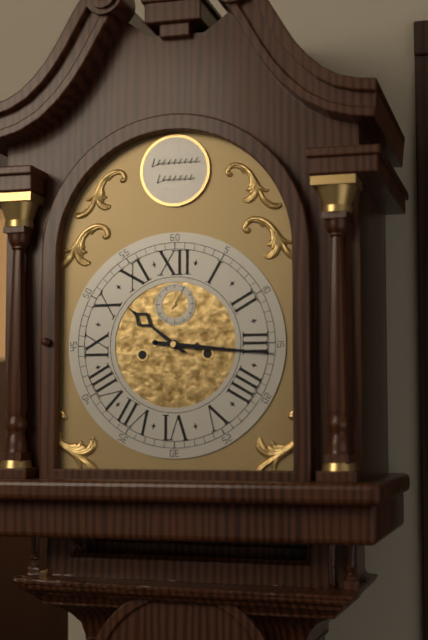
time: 10:16
